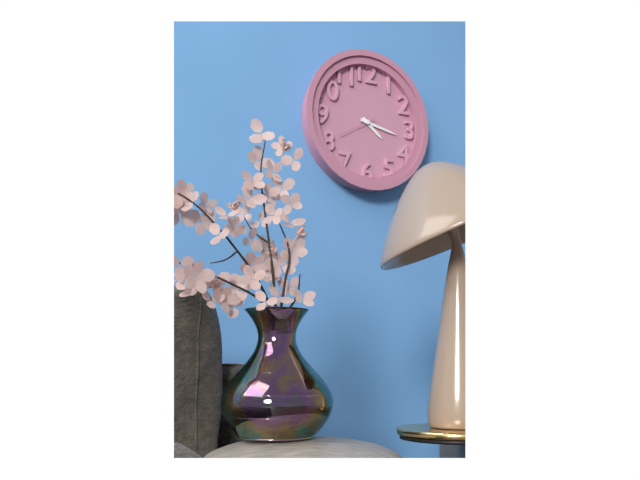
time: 4:17
